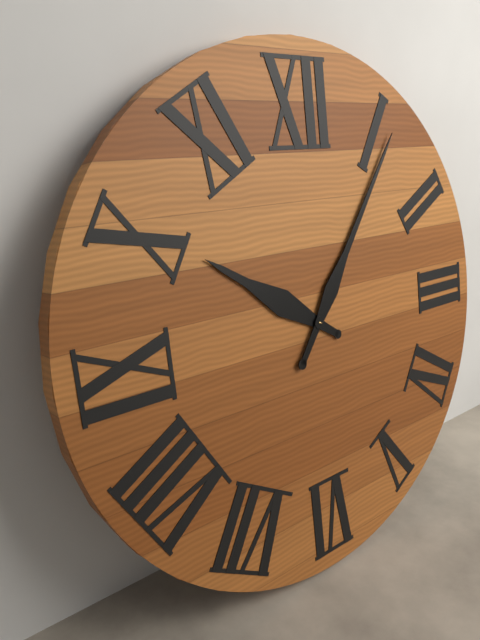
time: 10:06
